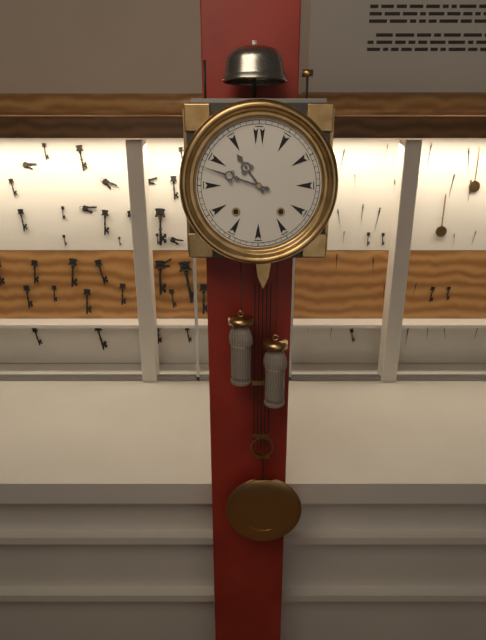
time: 10:48
